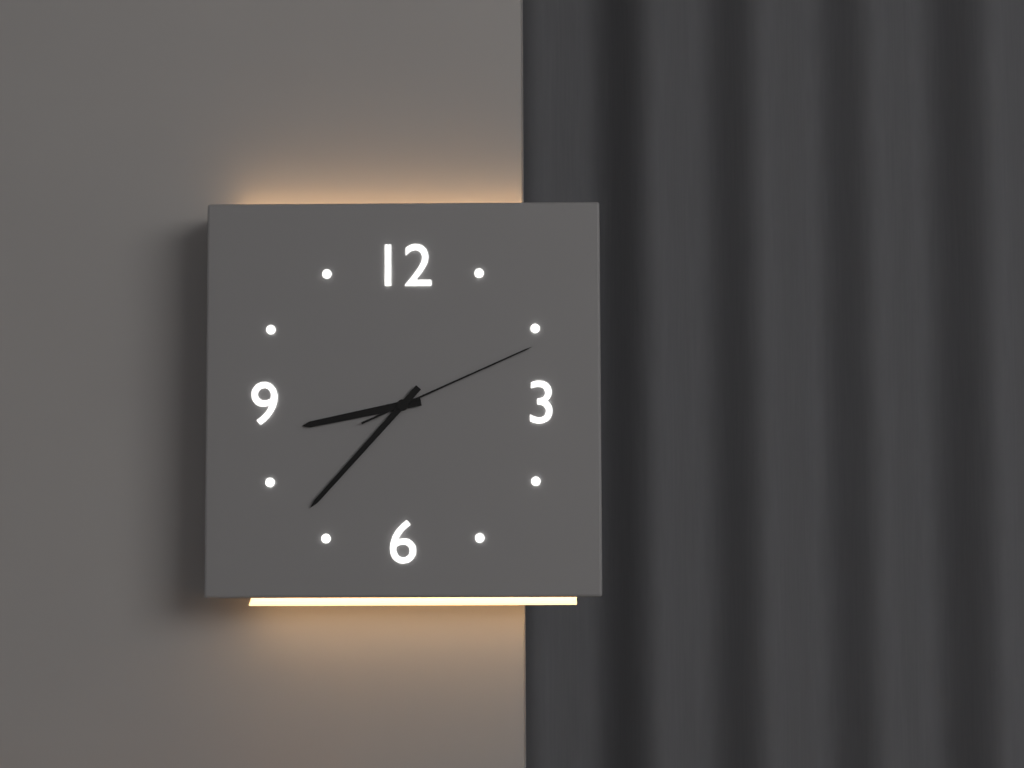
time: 8:37:11
